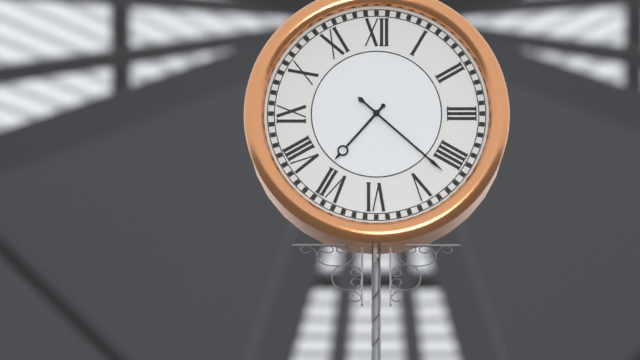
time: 7:22
